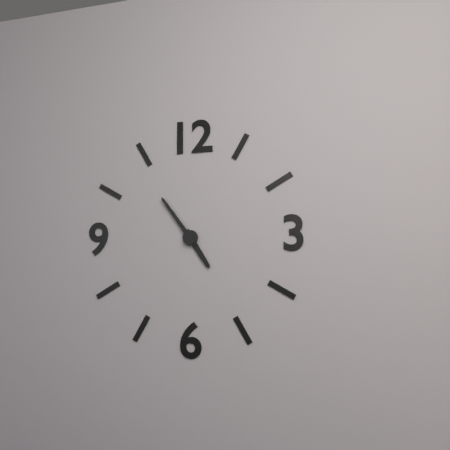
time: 4:54
